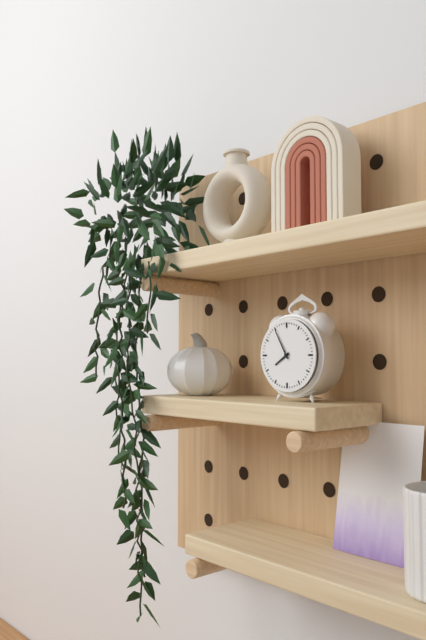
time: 7:55
